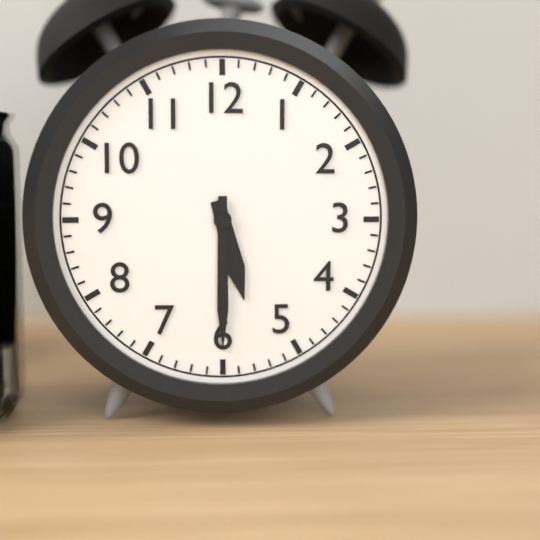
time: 5:30
